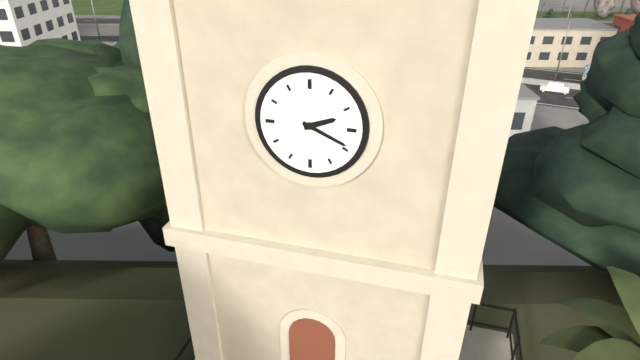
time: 2:19
